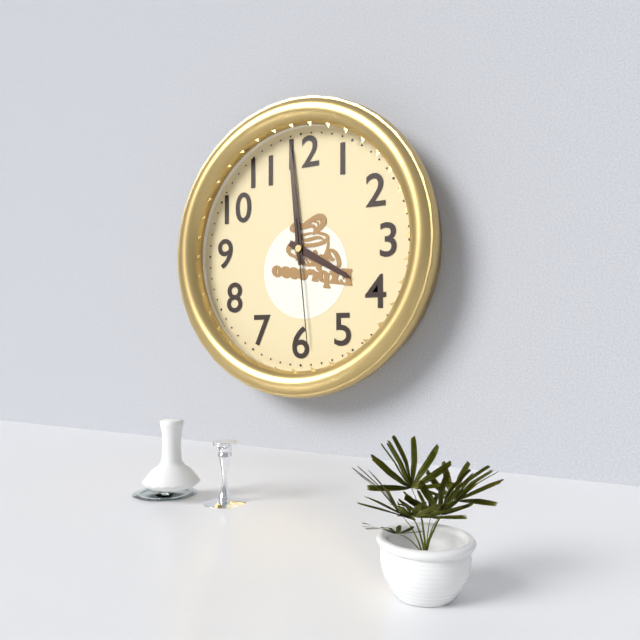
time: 3:59:29
